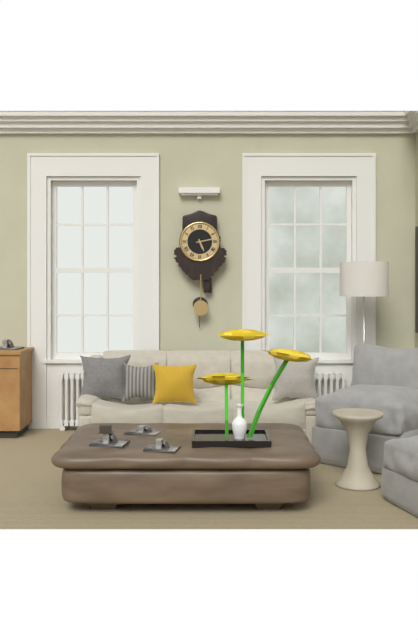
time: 5:13
